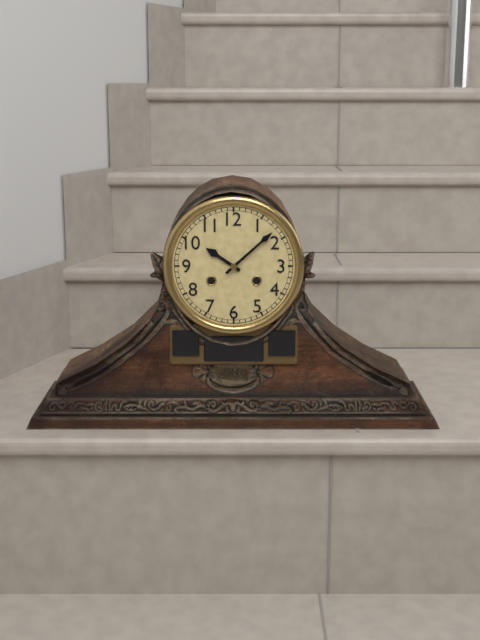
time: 10:08
